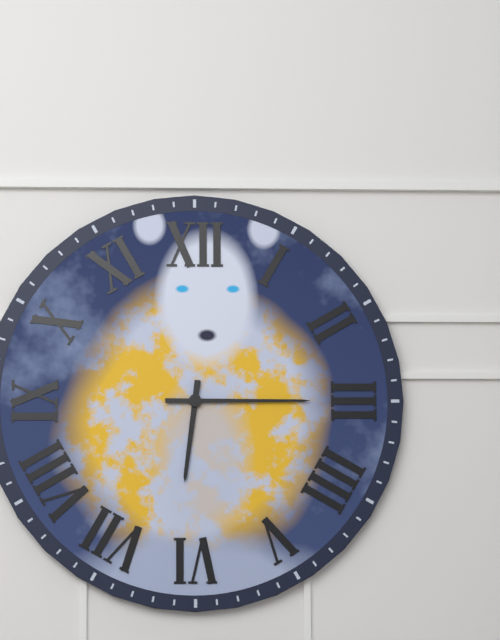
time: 6:15
